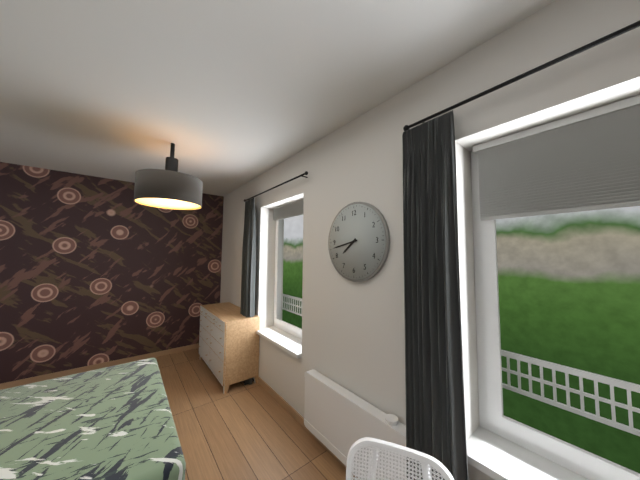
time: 7:43
